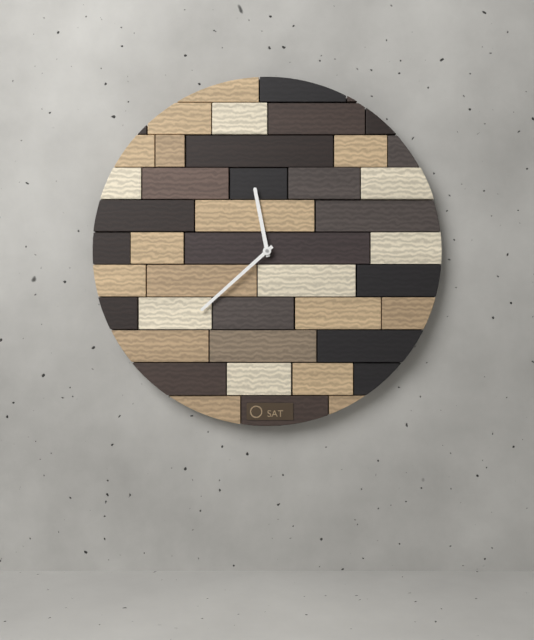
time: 11:38
